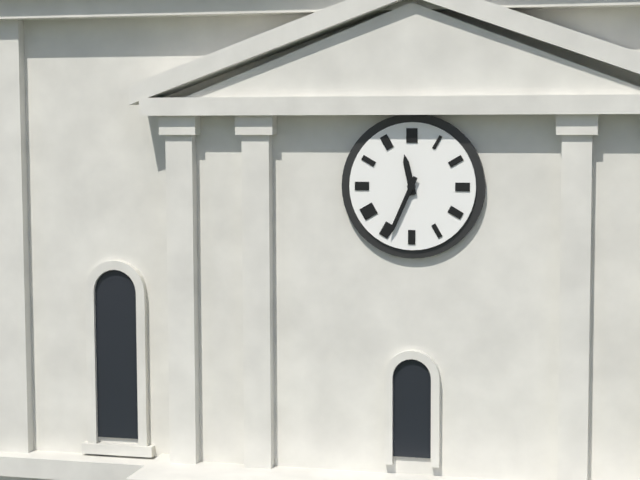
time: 11:34
